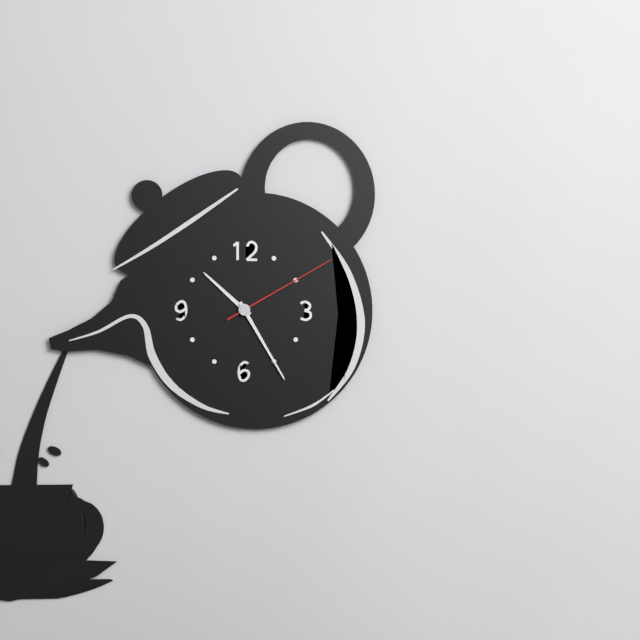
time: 10:25:10
